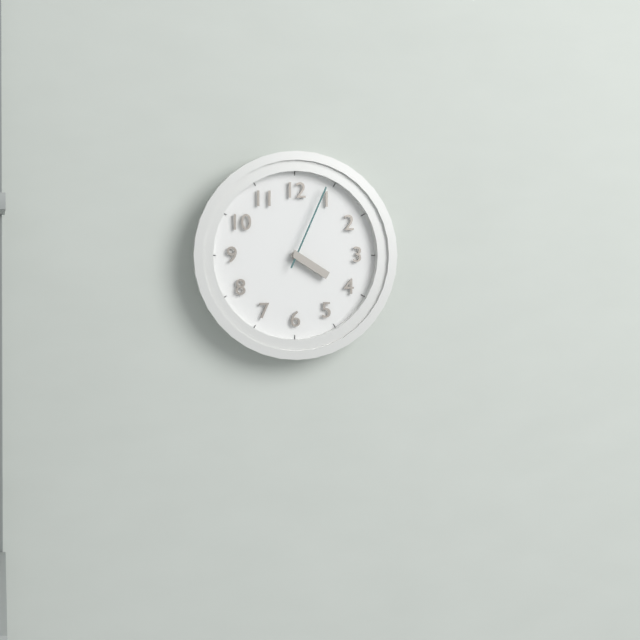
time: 4:04
